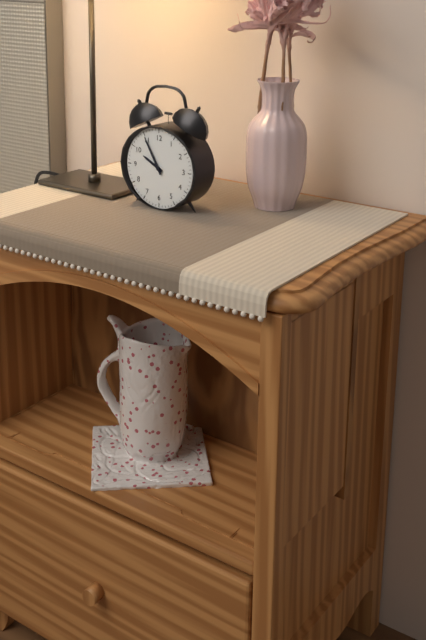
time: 9:55
